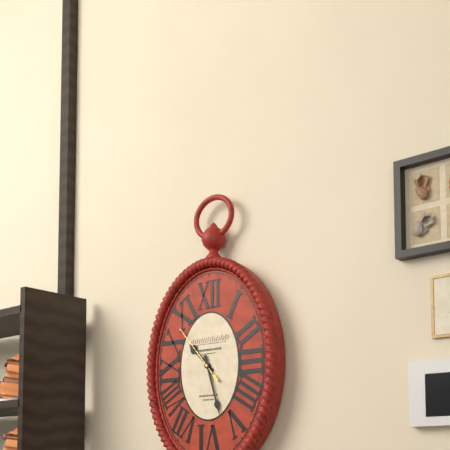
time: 10:27:53
